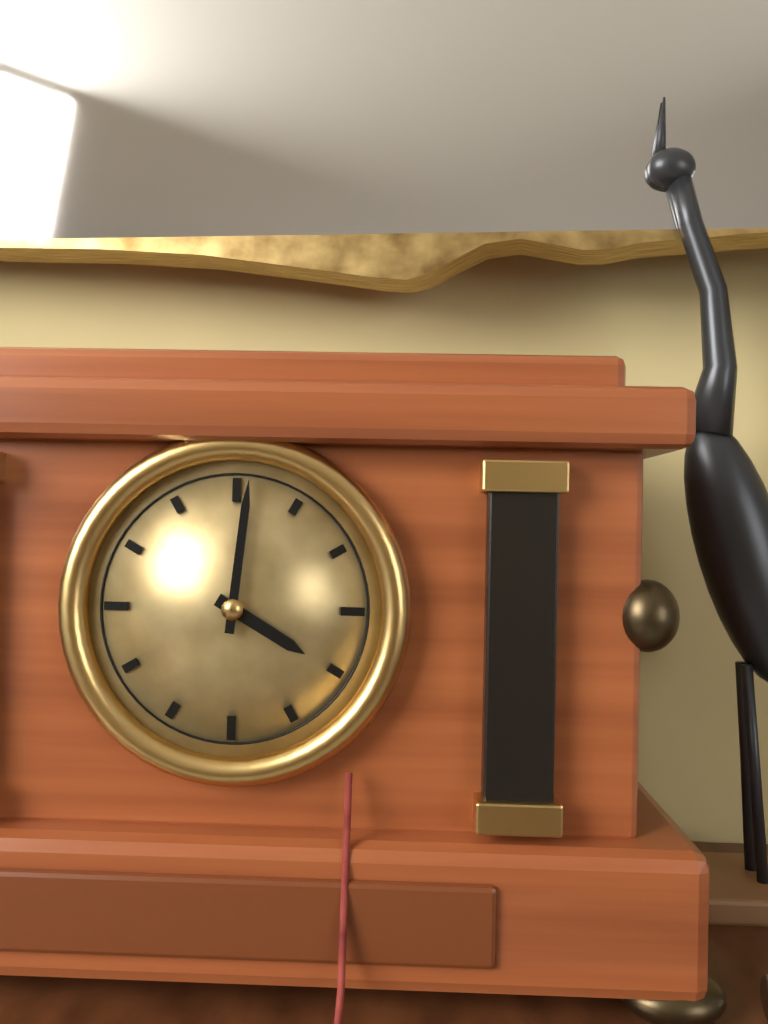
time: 4:01
